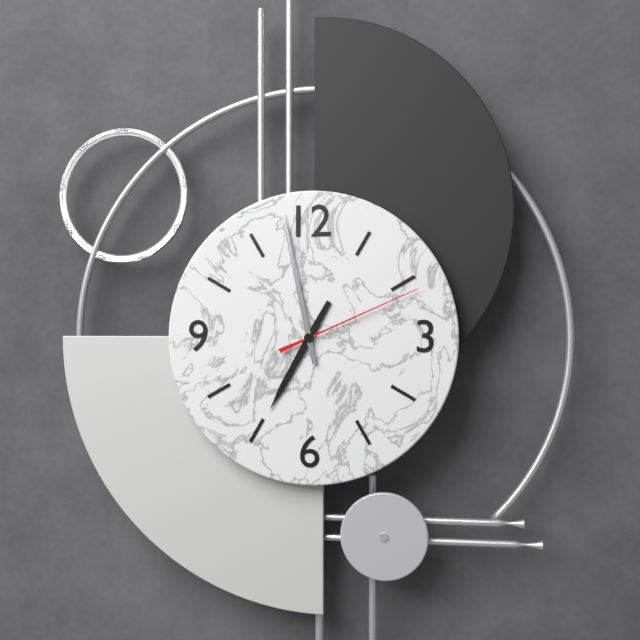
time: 6:58:11
